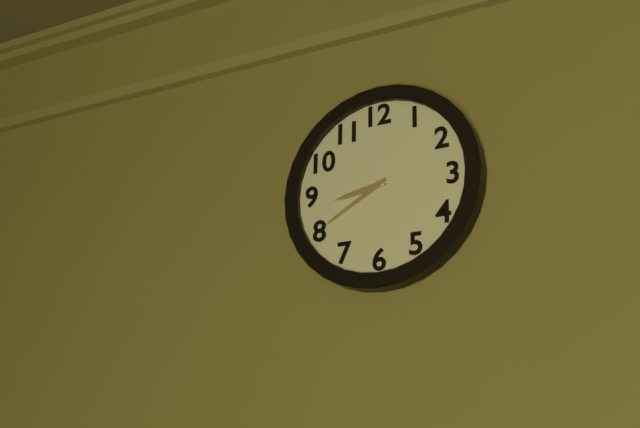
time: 8:40
